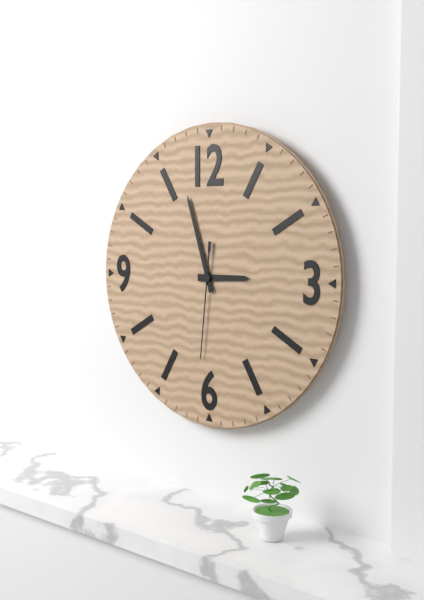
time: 2:57:31
